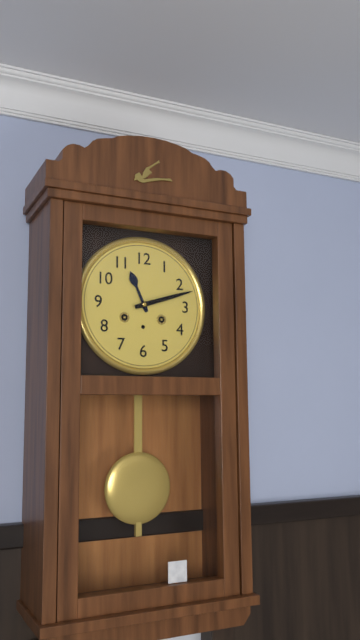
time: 11:12
